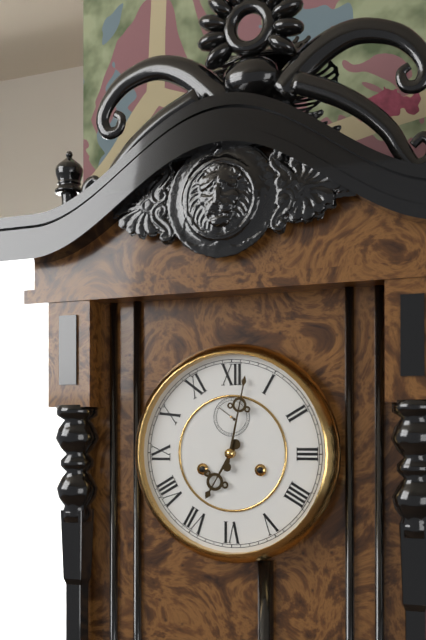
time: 7:02
